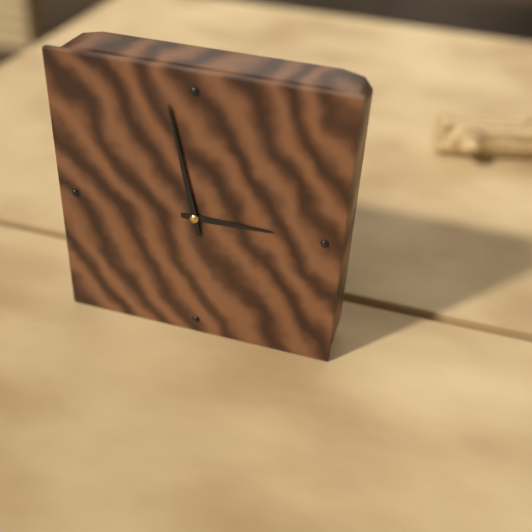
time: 2:58
